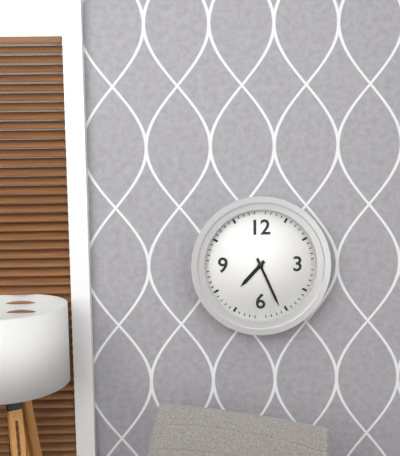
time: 7:26
